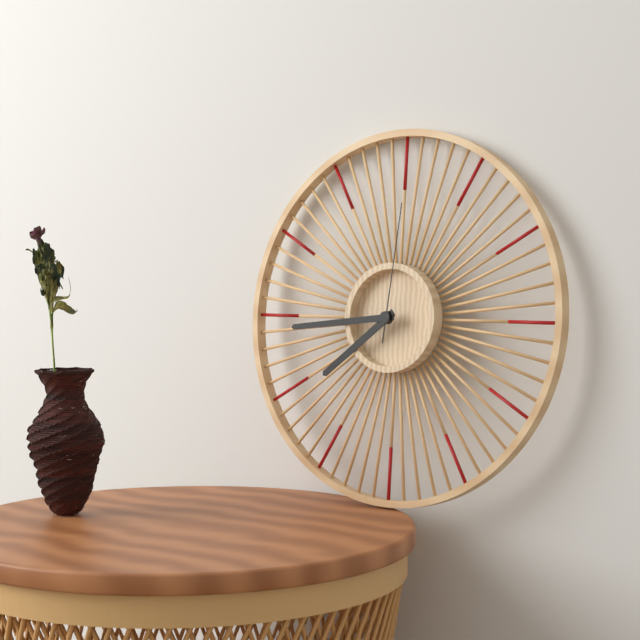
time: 7:44:01
